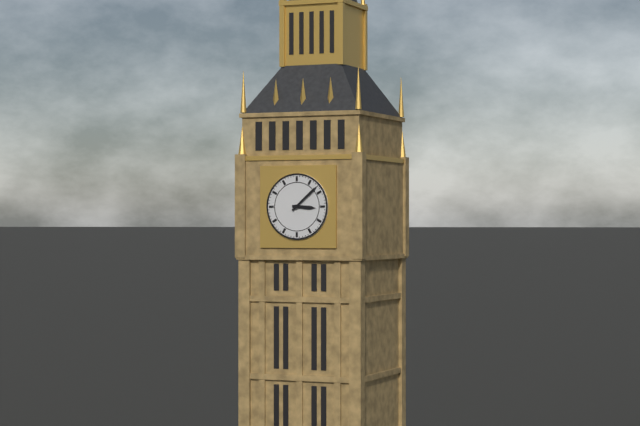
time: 3:08
